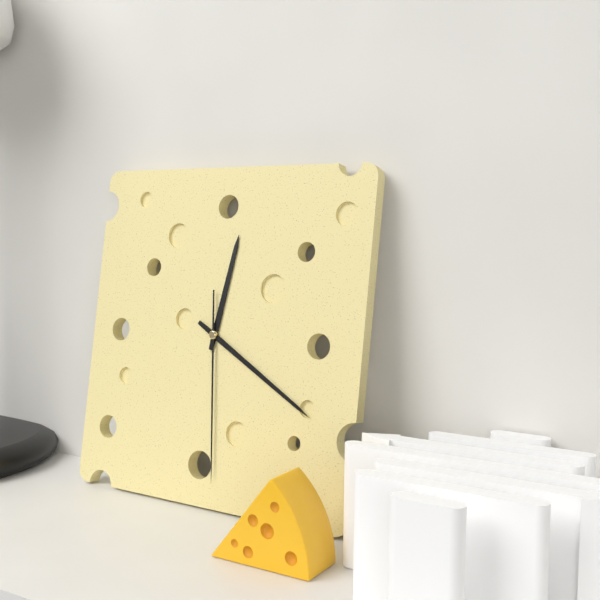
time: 12:20:29
